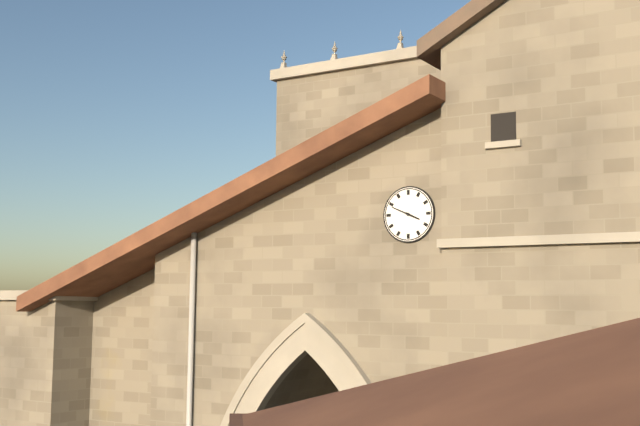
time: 3:49
